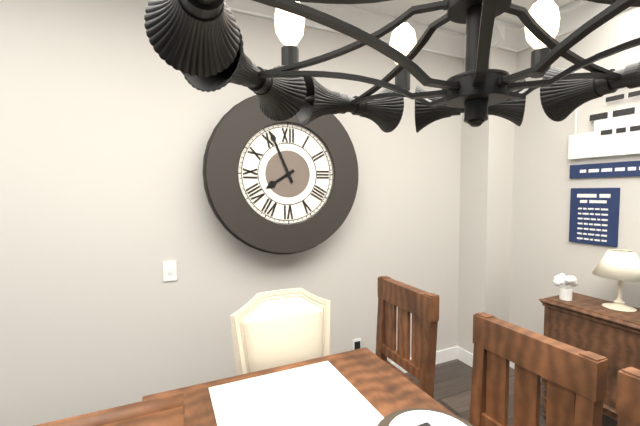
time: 7:56
